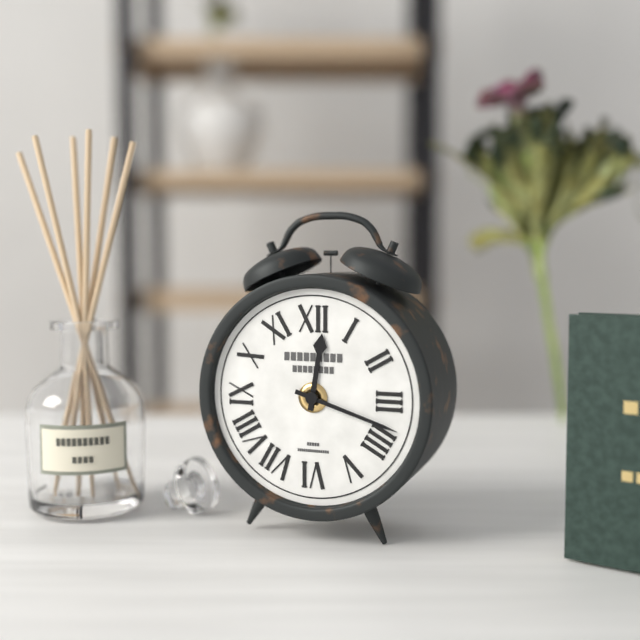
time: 12:18
